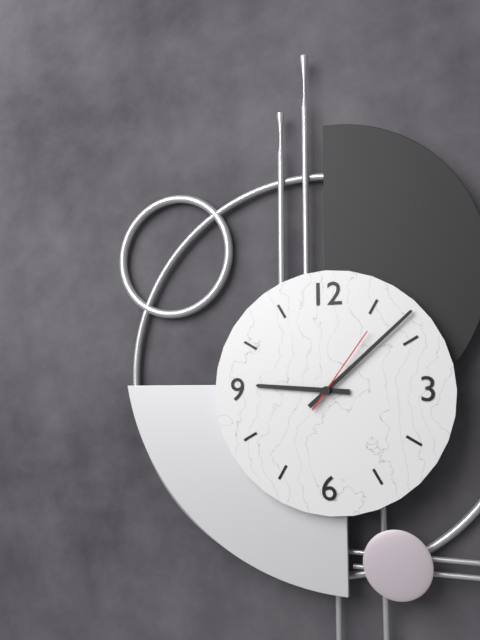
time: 9:08:06
